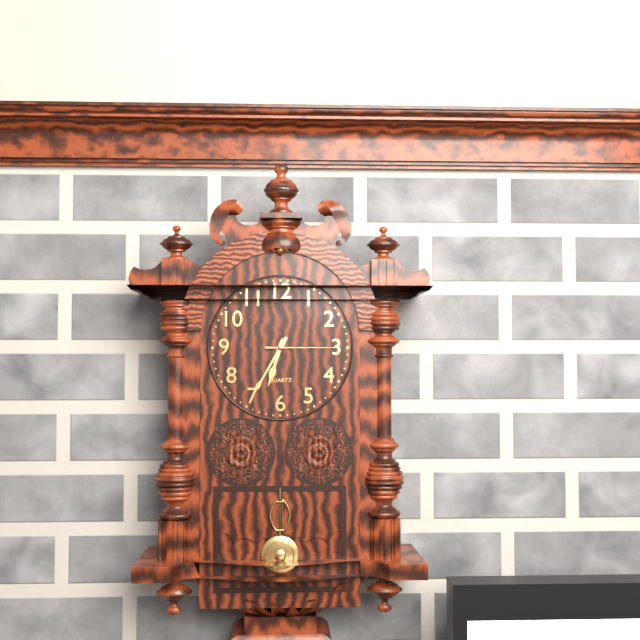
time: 6:35:15
